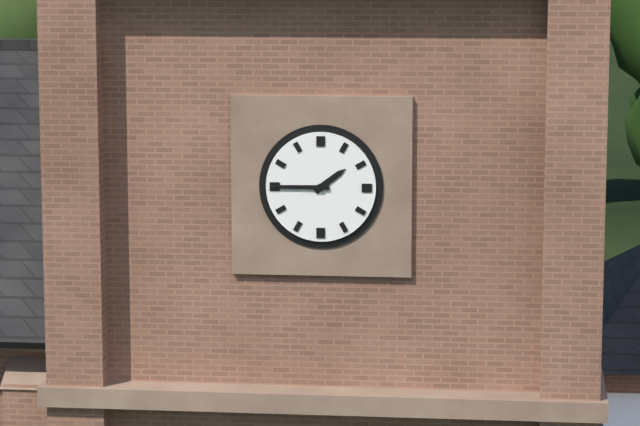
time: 1:45
